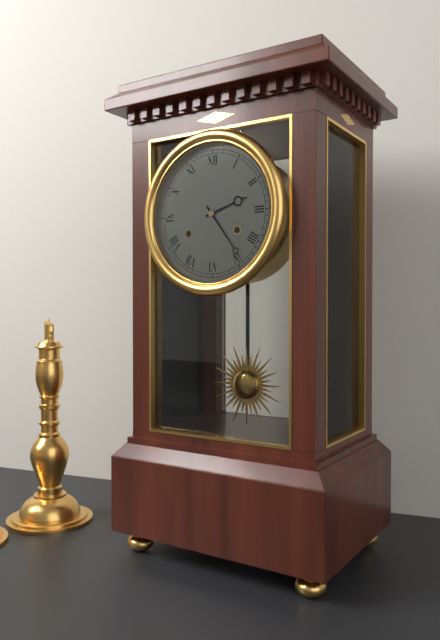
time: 2:24
